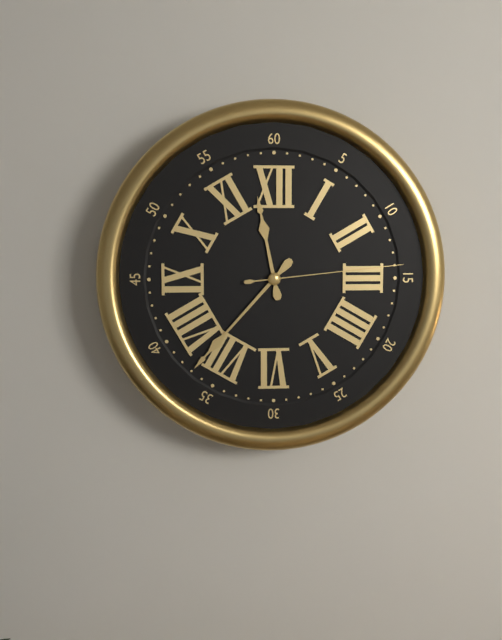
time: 11:37:14
